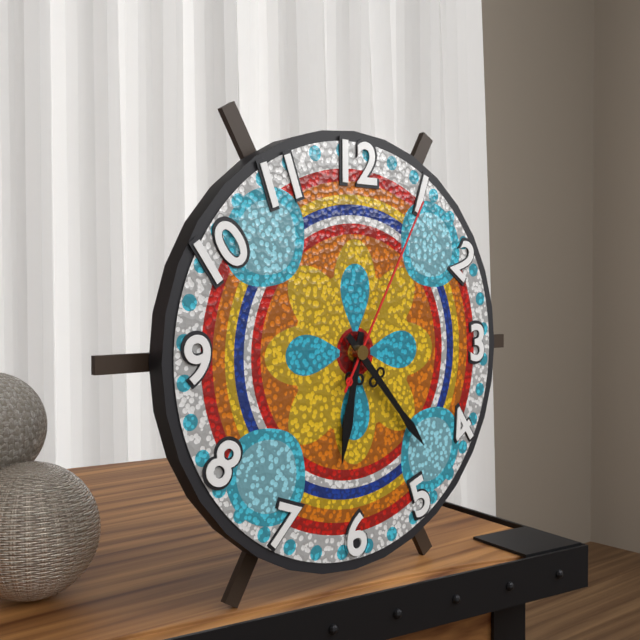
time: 6:23:05
